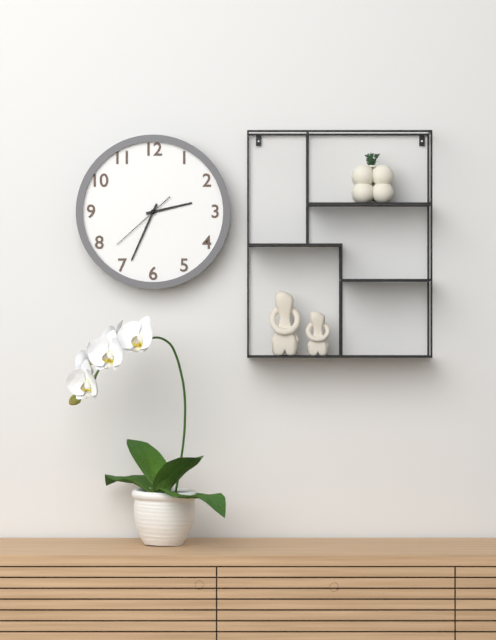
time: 2:34:38
